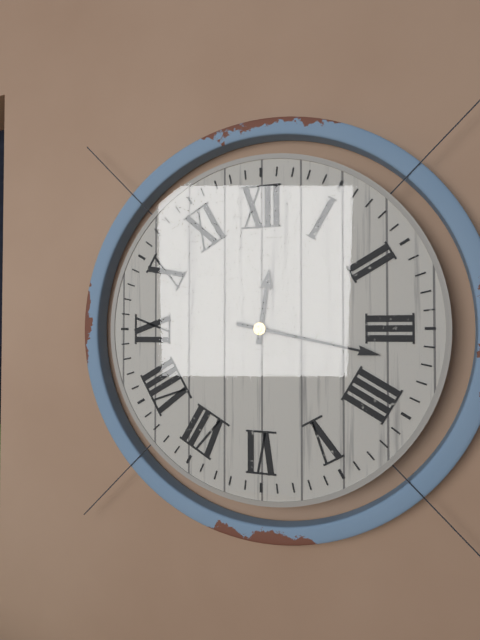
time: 12:17
